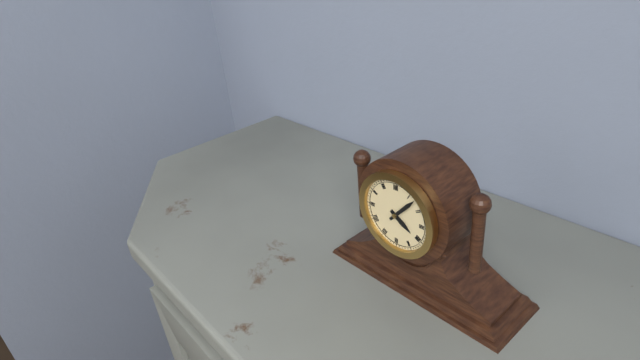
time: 4:07
